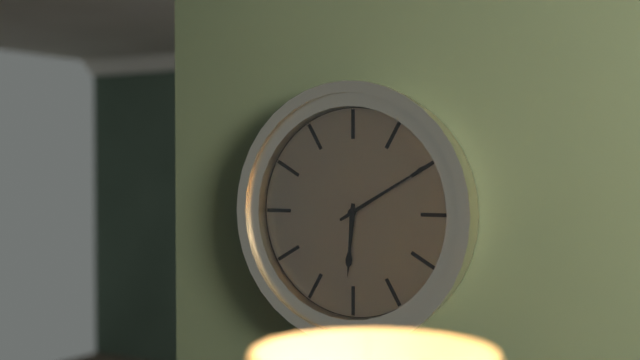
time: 6:10
